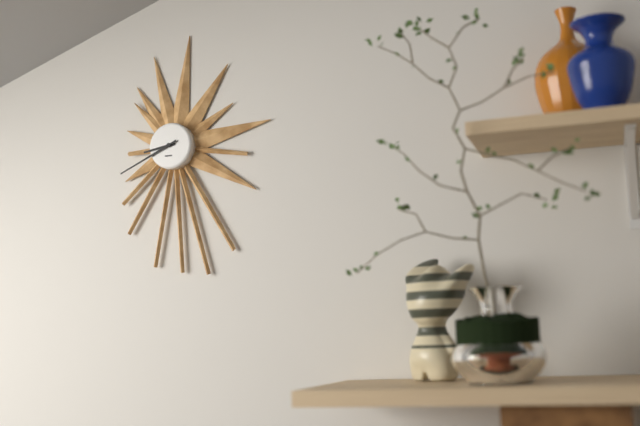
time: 8:41
